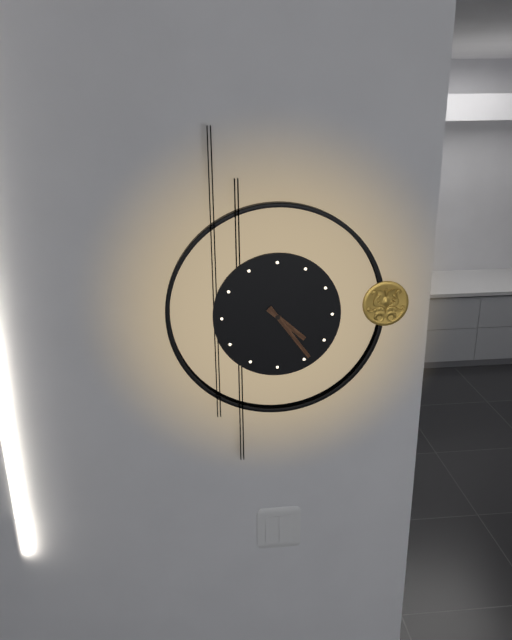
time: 4:24
